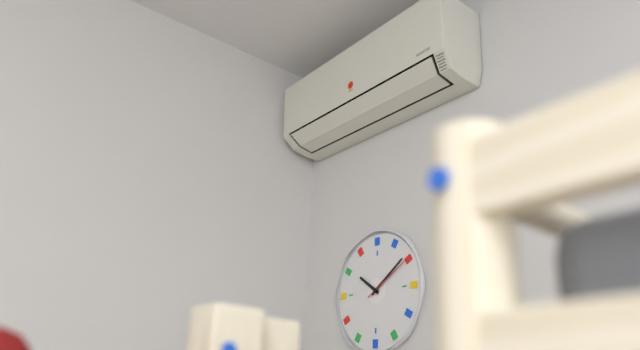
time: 10:09:10
